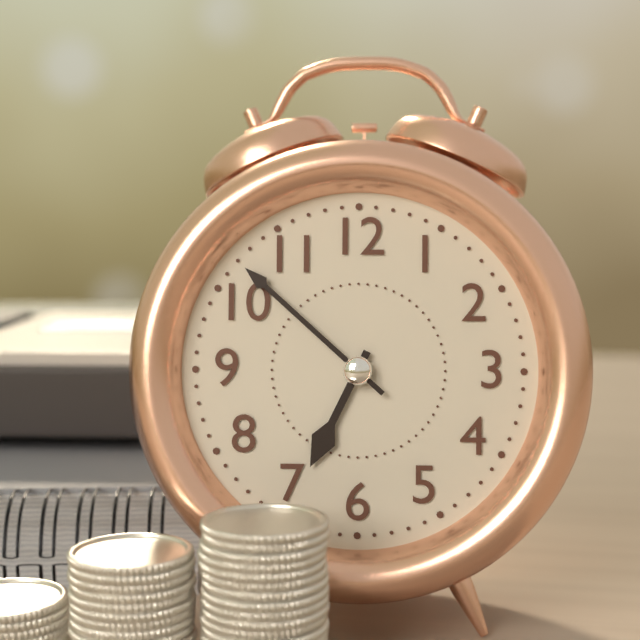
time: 6:52
